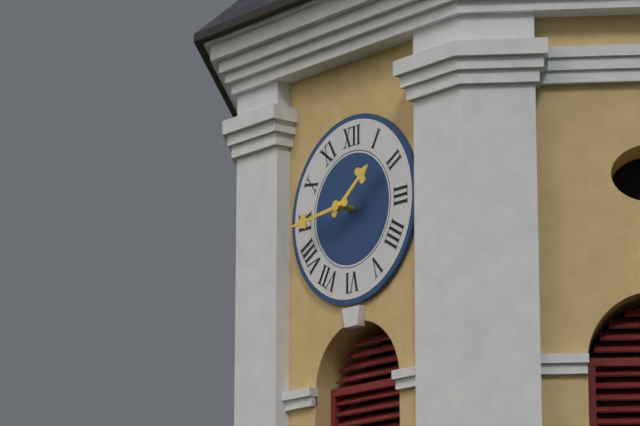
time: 1:44
